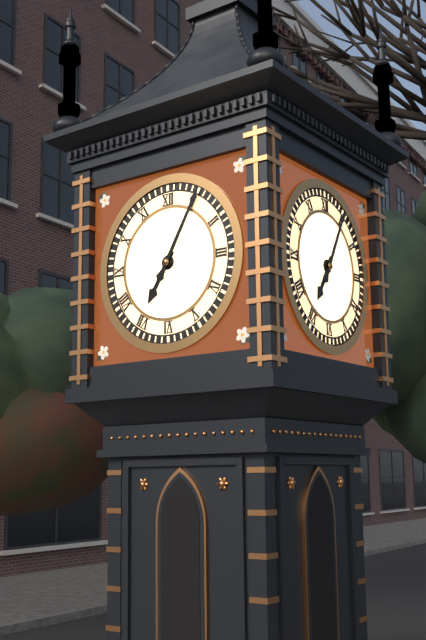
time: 7:05
